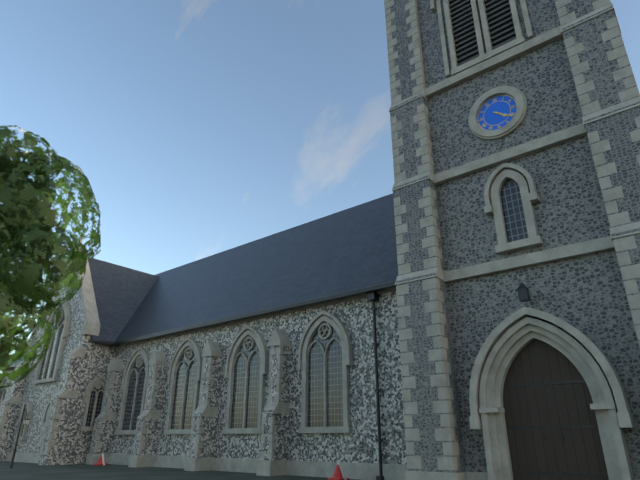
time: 4:21
